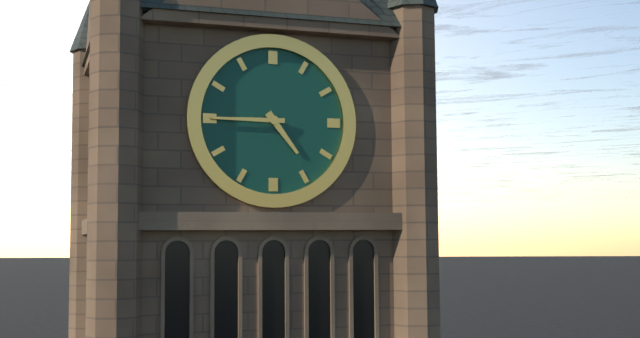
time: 4:45
